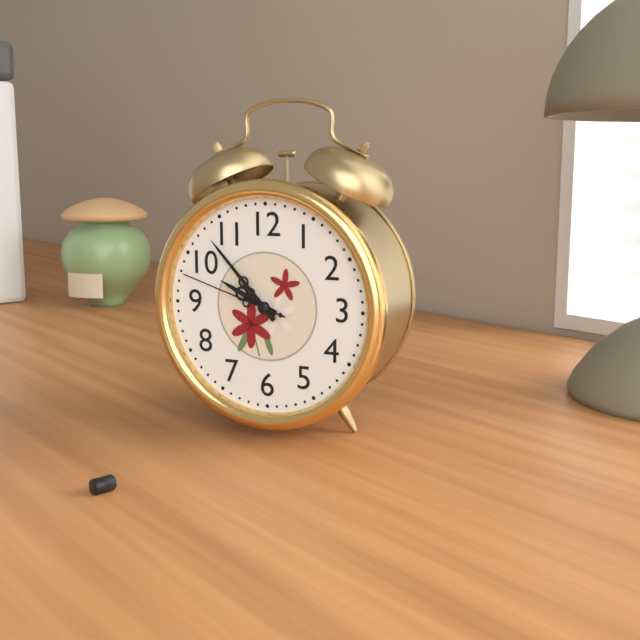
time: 9:53:48
